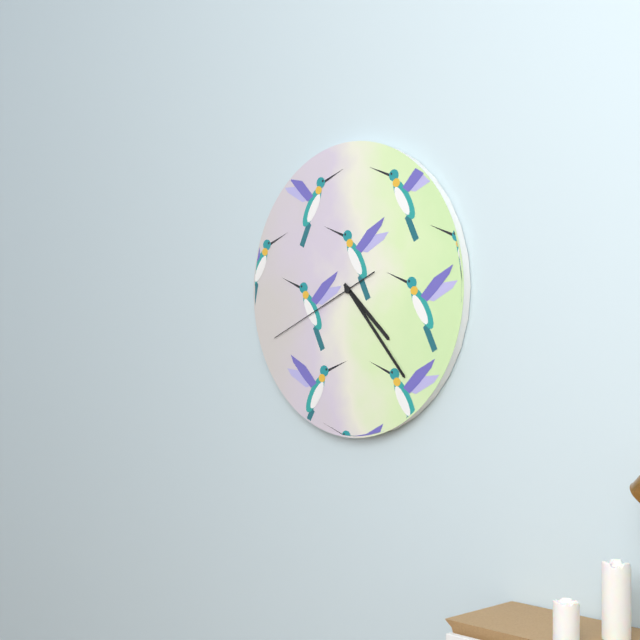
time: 4:23:41
